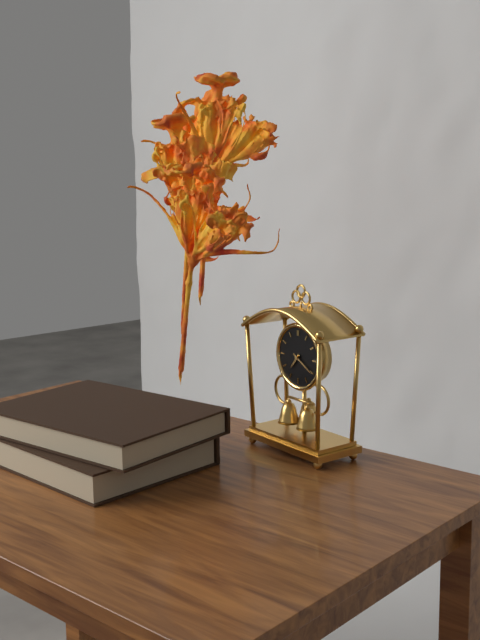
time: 7:20
